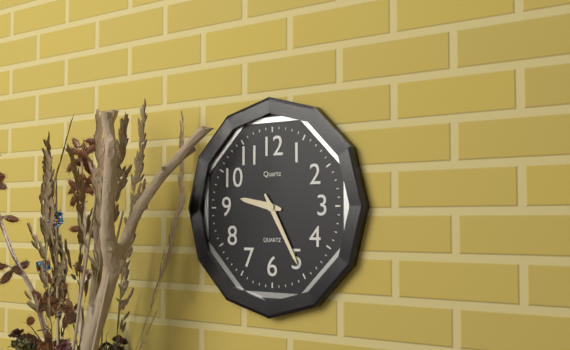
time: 9:25
